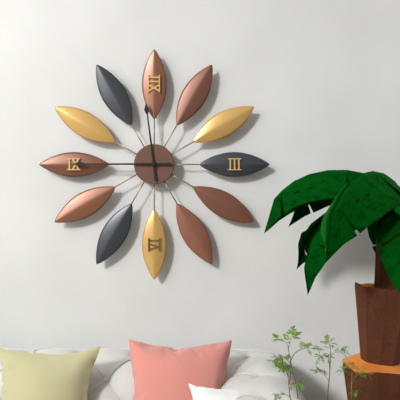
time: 11:45
